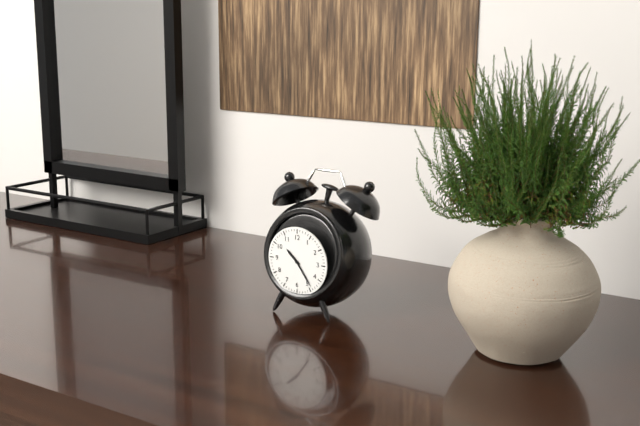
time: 10:24
